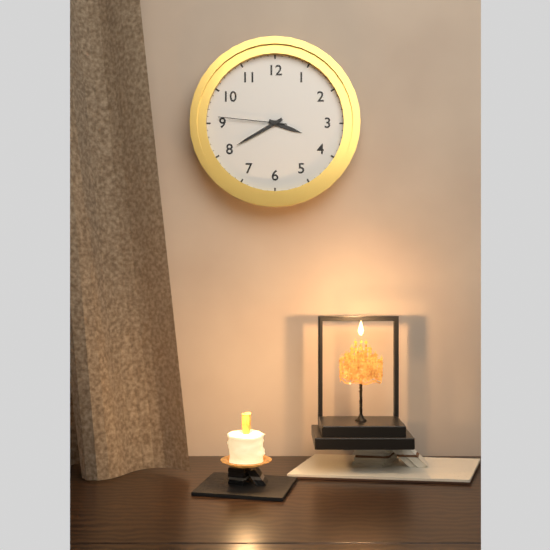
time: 3:40:46
